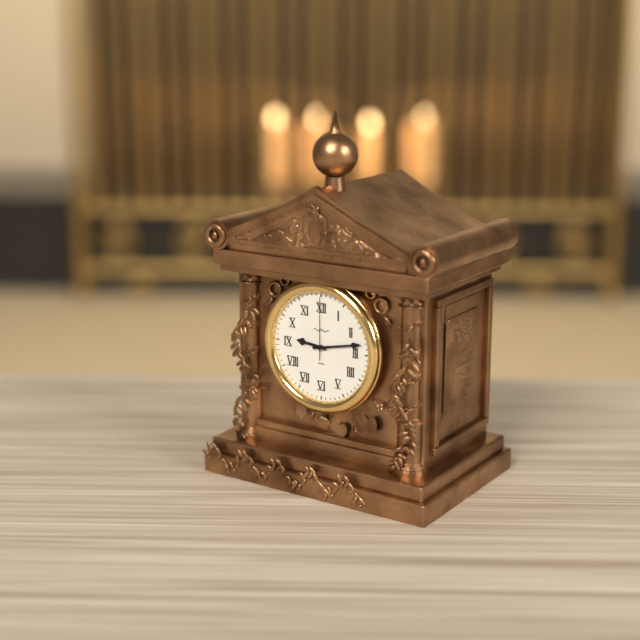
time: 9:13:00
